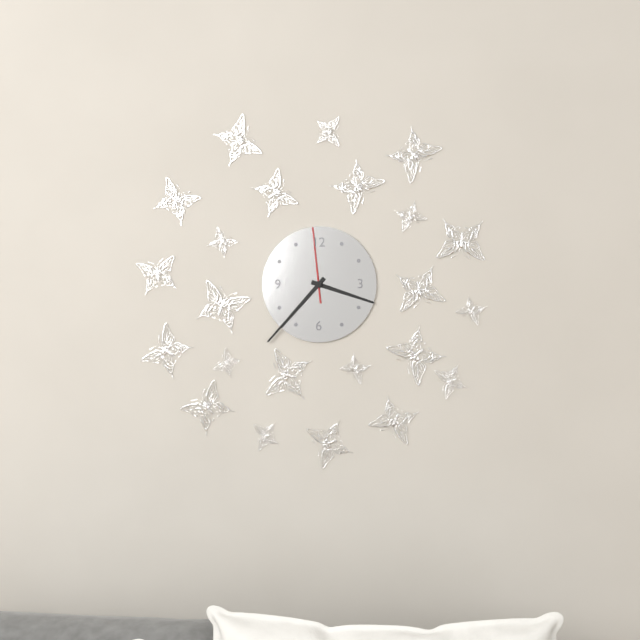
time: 3:37:59
